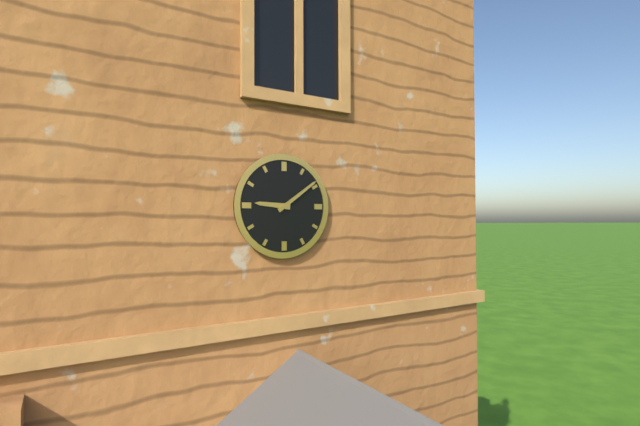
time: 9:09
